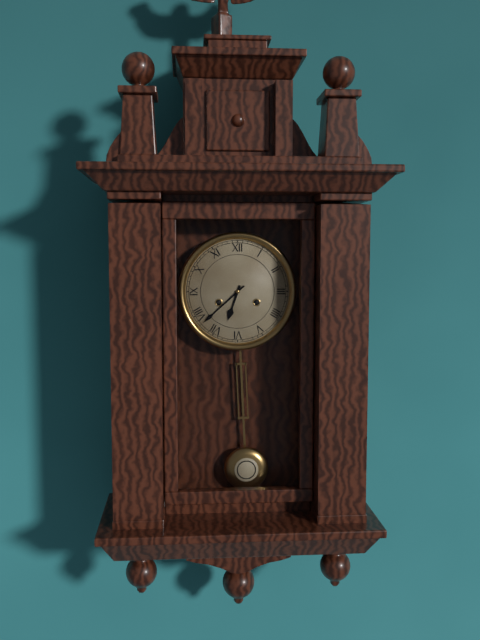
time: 6:38
